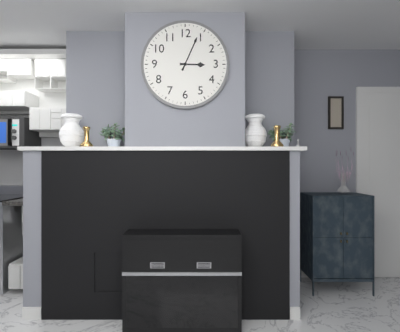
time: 3:04
